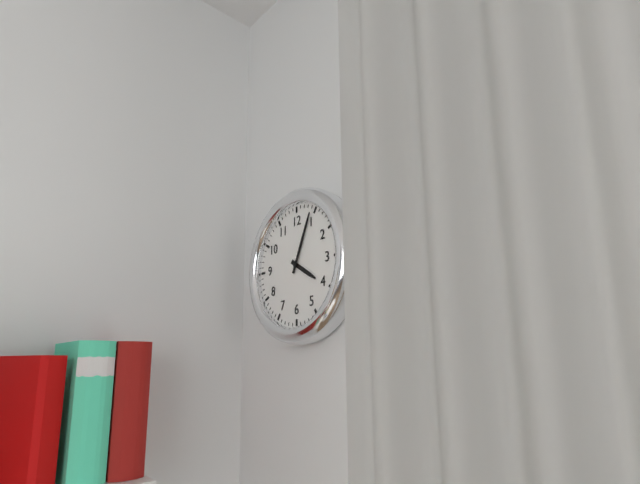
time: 4:04
